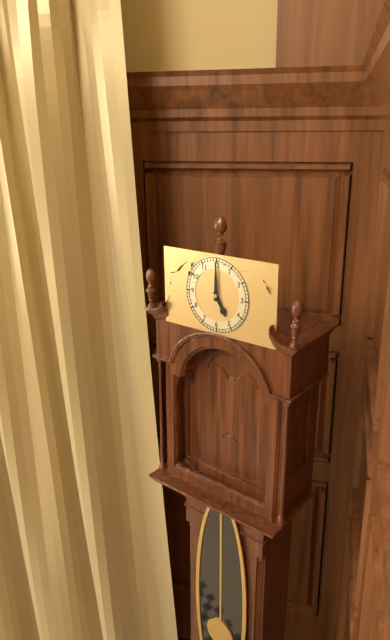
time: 5:00
